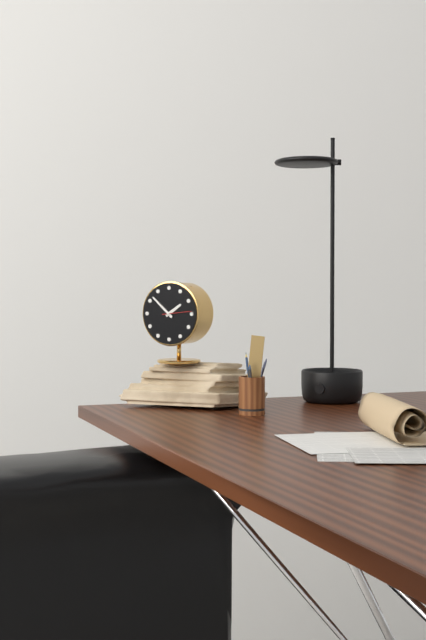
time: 1:52
